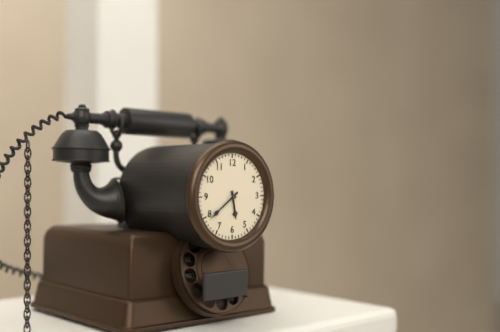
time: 5:39
